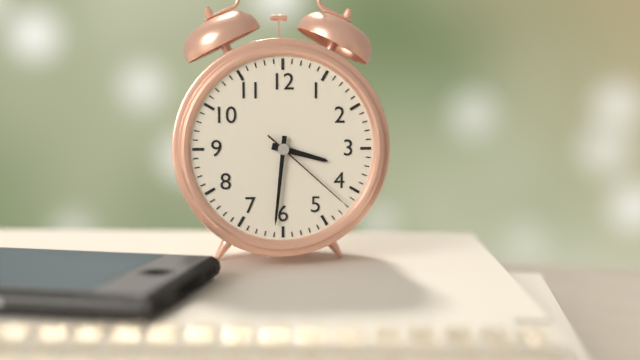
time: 3:31:22
